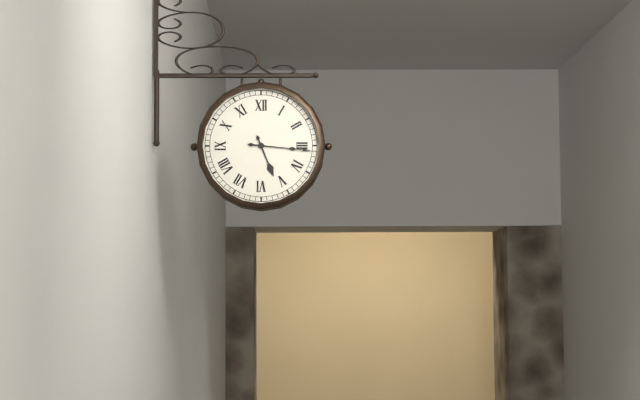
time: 5:16
